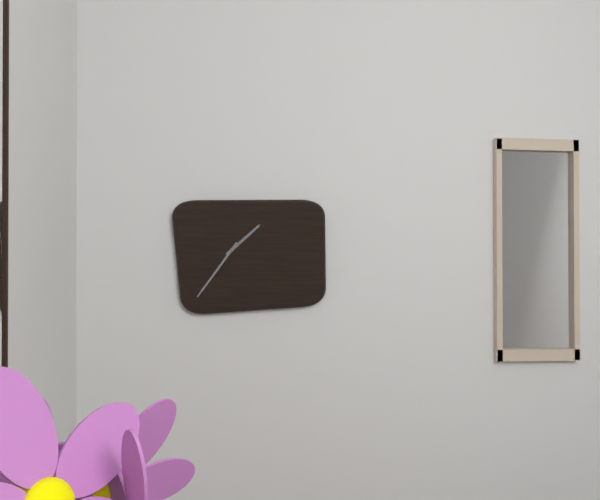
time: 1:36
